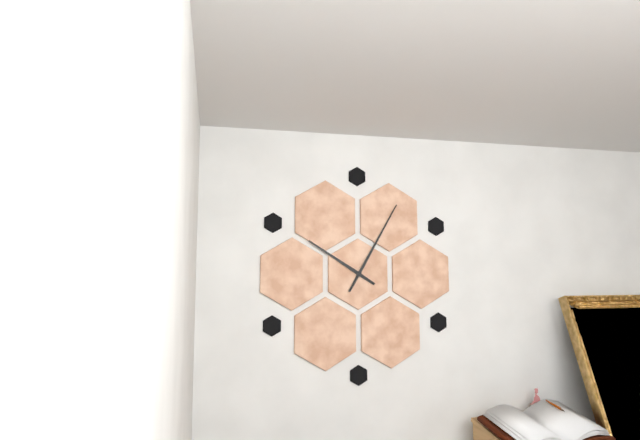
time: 10:05
